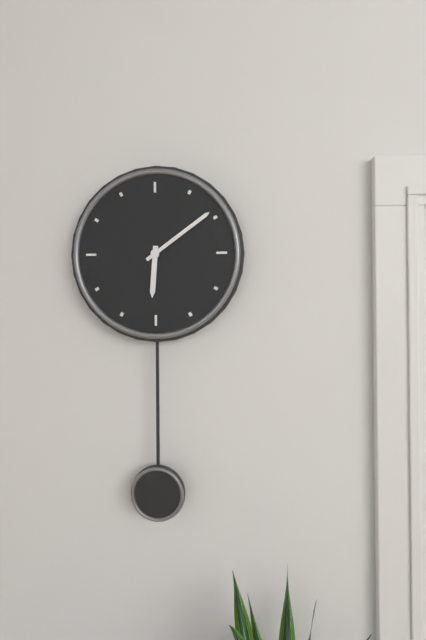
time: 6:09
